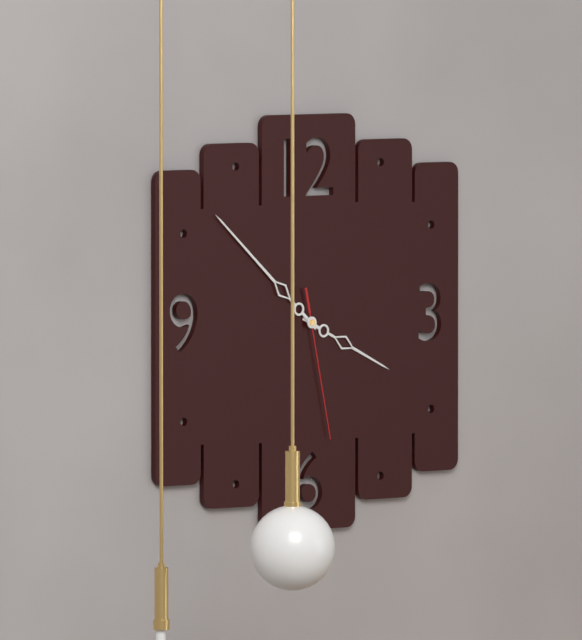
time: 3:52:28
